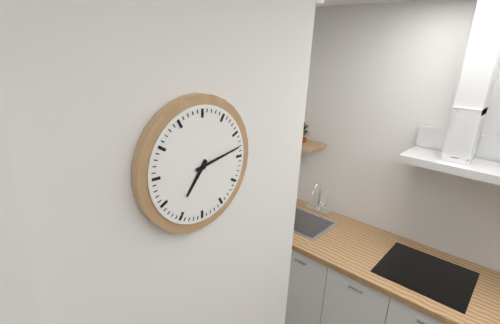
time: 7:13
